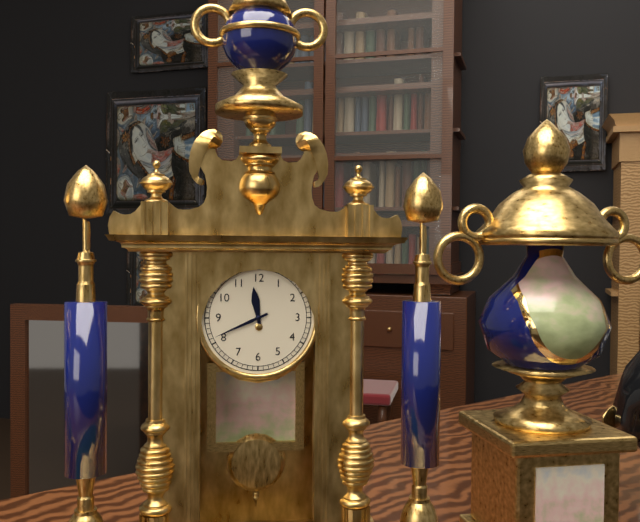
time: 11:41
